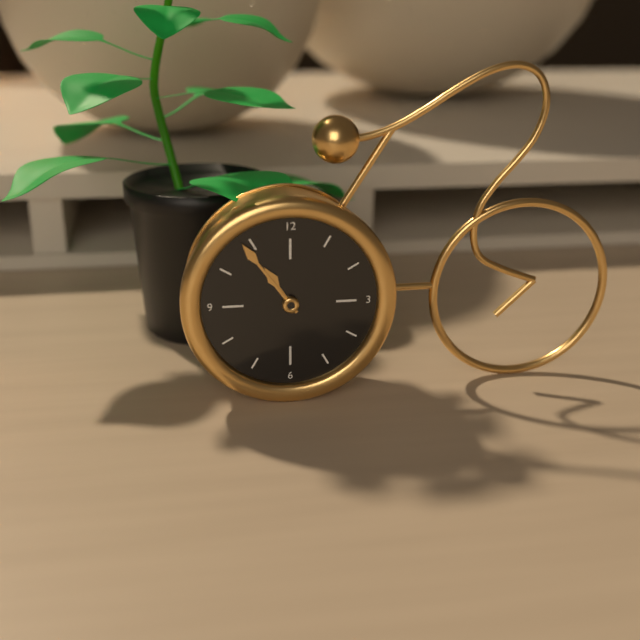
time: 10:54
